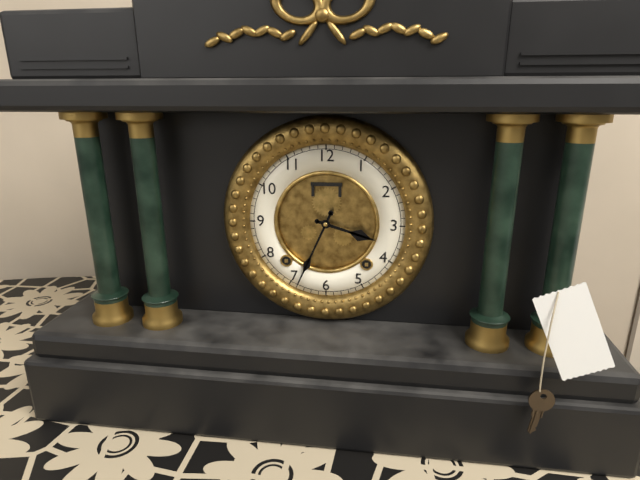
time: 3:34
